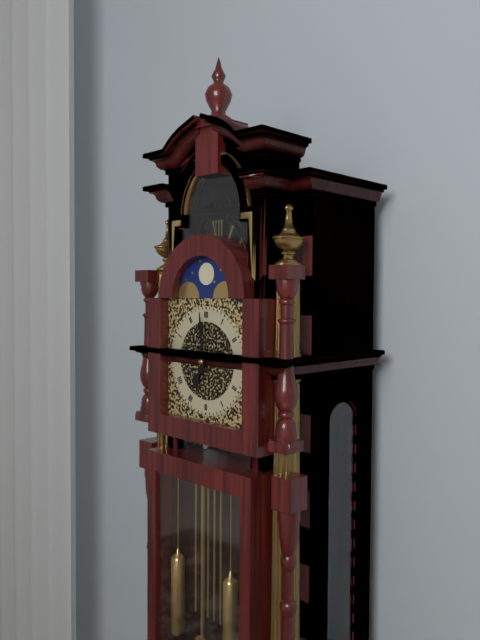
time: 6:59
